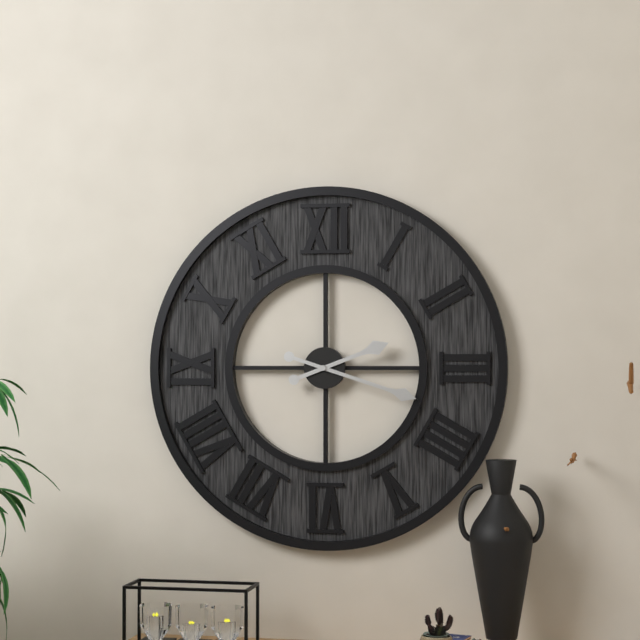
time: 2:18
